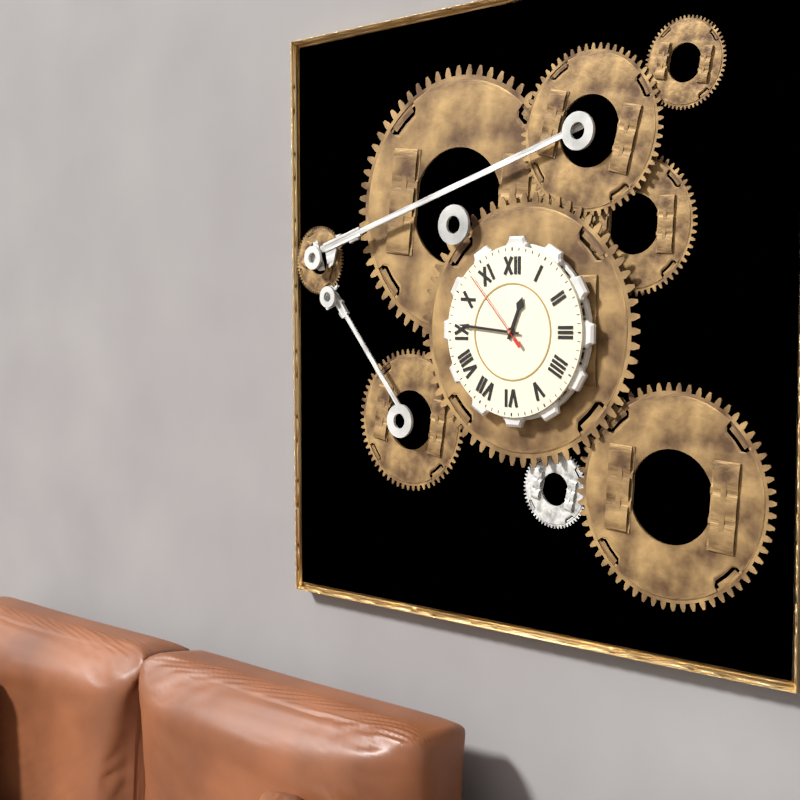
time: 12:46:53
